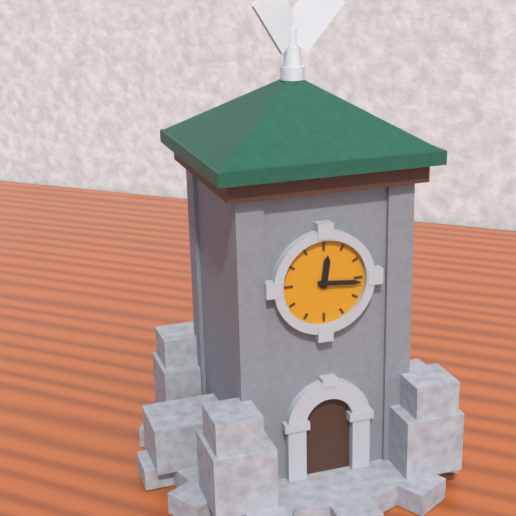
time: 12:16
